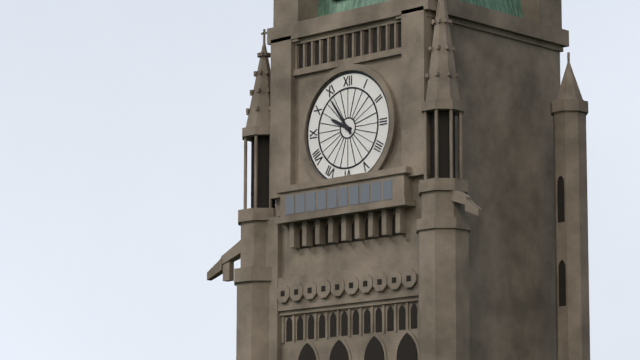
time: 9:54
